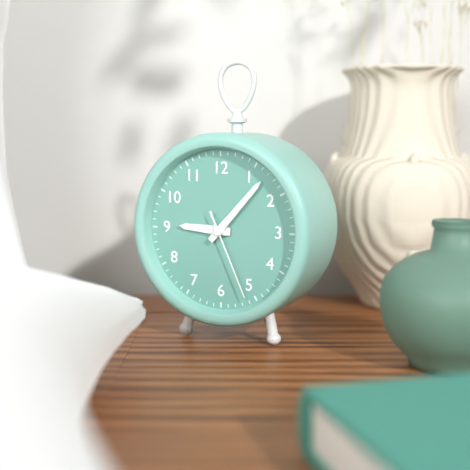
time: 9:07:26
